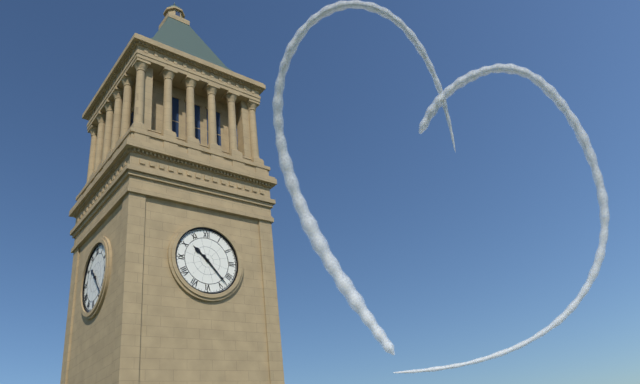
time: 10:23
